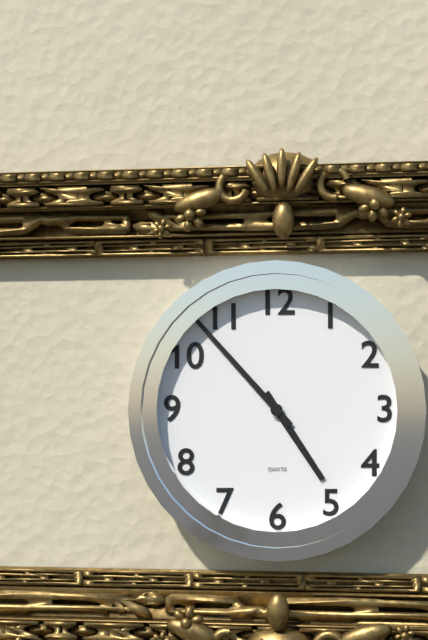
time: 4:53
